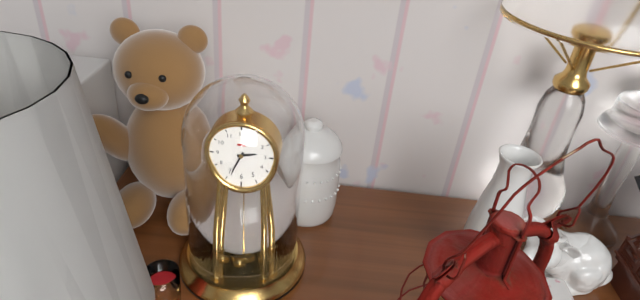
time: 2:34
